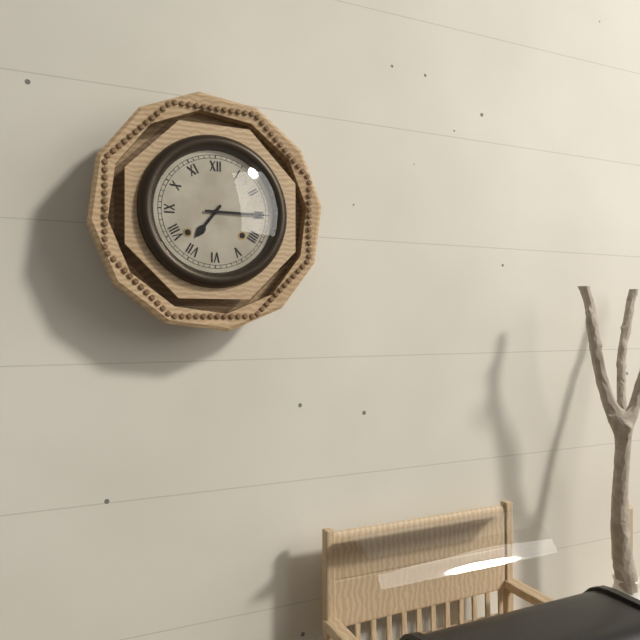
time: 7:15
